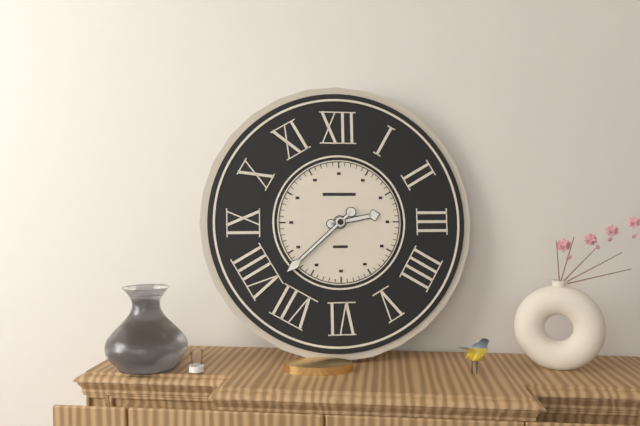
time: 2:38
